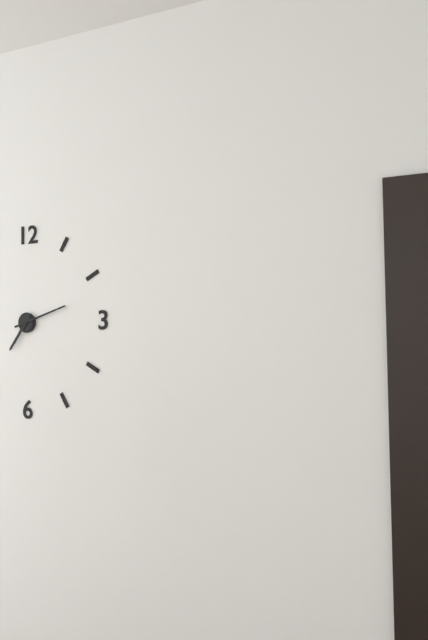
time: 7:12
